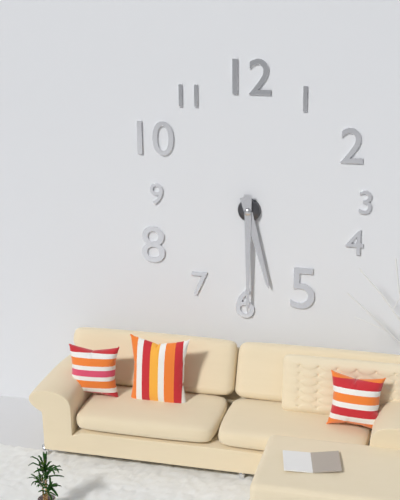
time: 5:30
